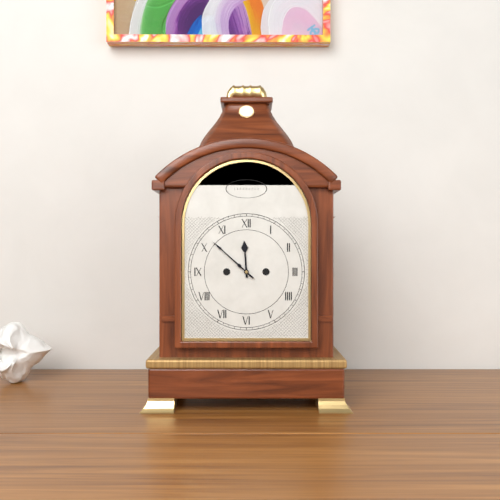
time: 11:52
